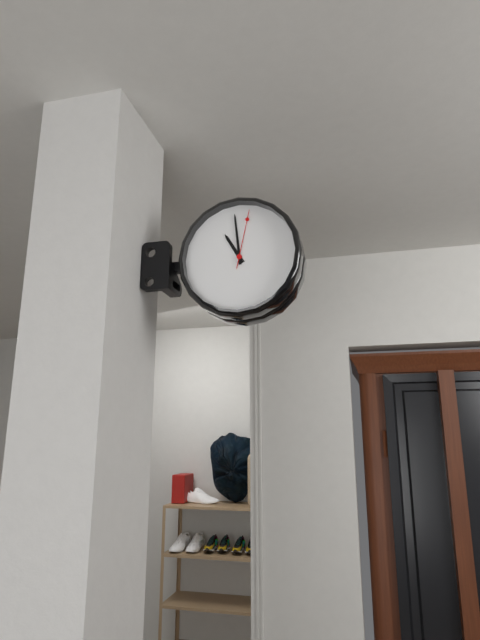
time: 10:59:02
